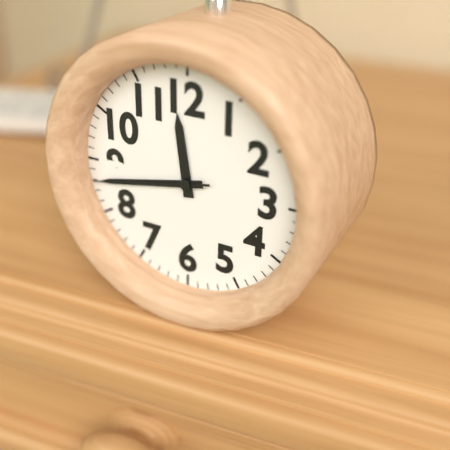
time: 11:43:43
